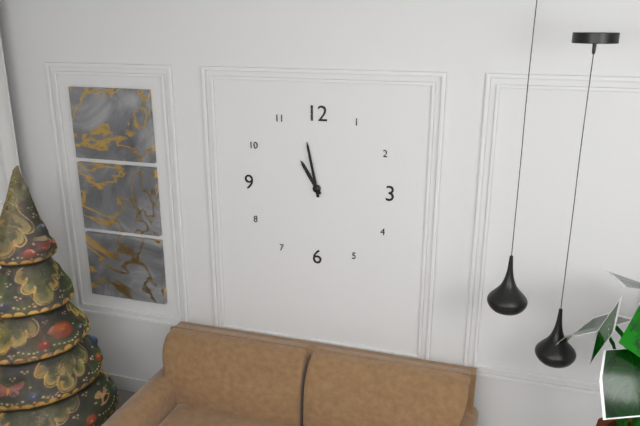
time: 10:58
